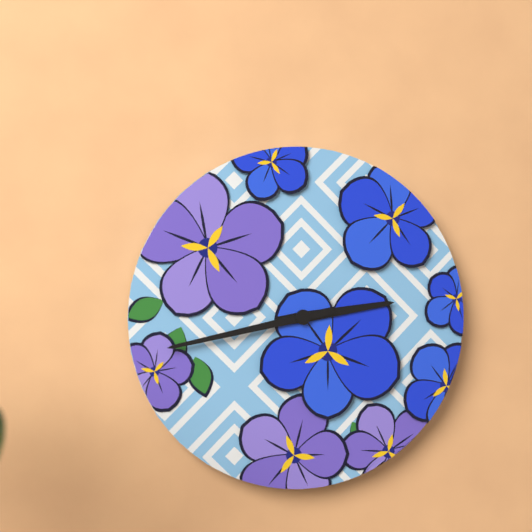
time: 2:43
